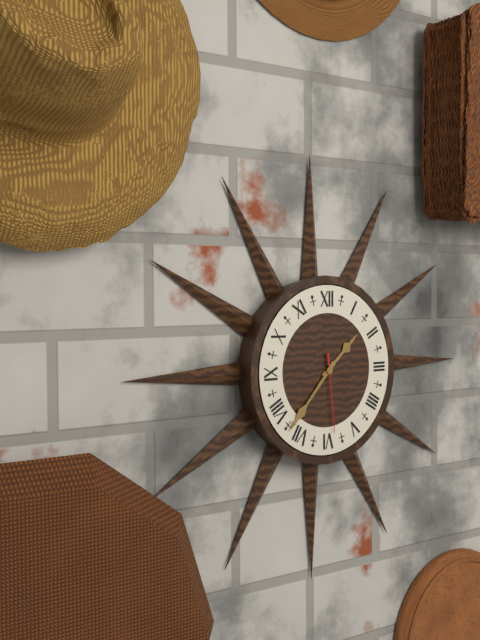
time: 1:37:29
